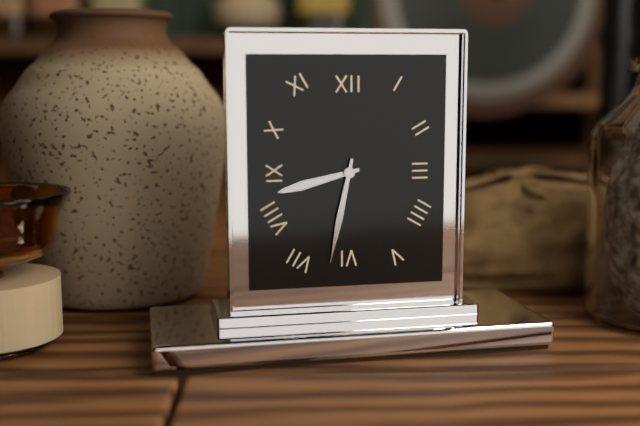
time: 8:32
